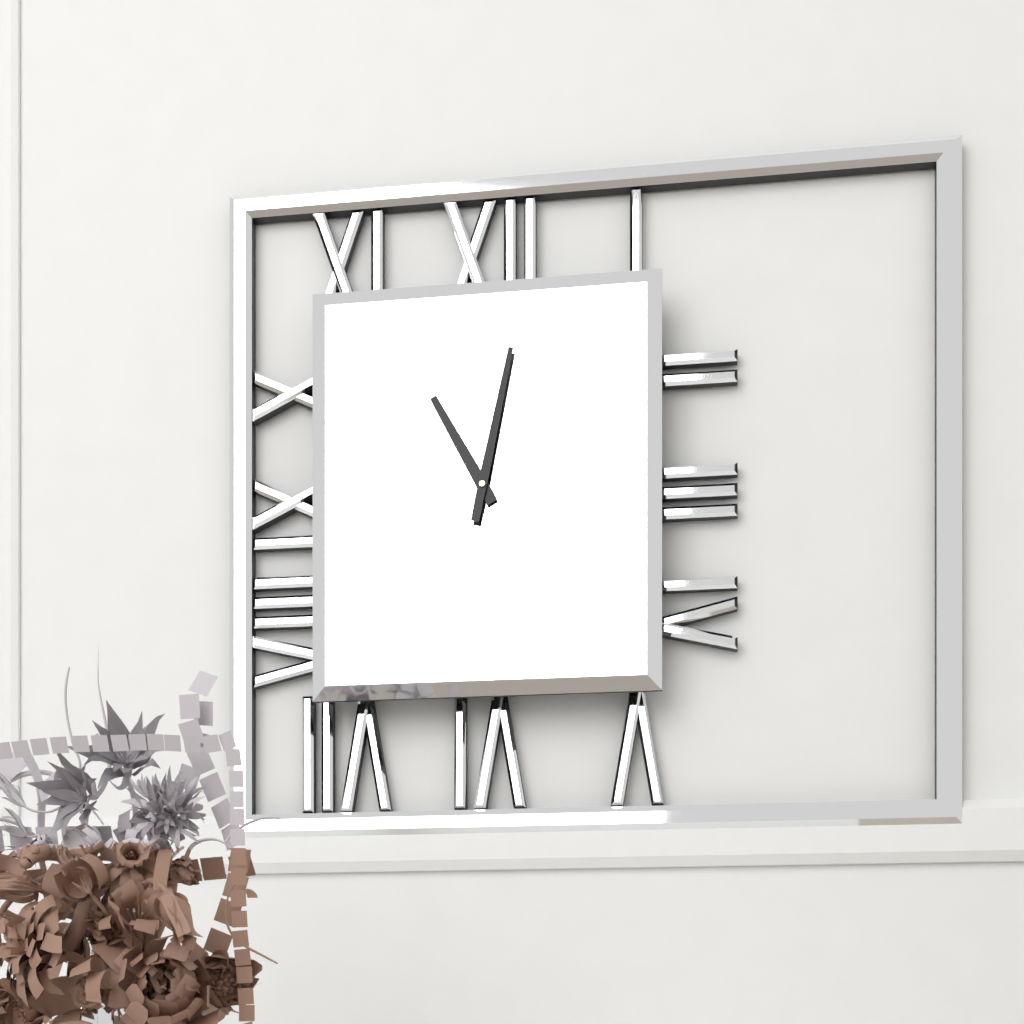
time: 11:02
